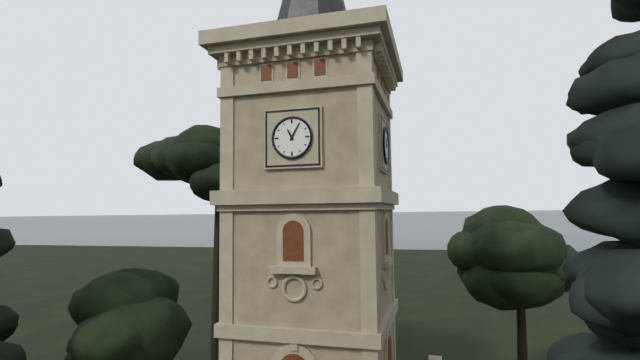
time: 11:05
